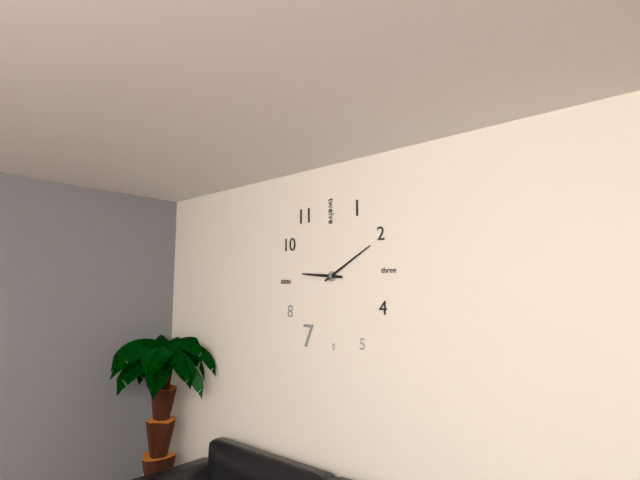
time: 9:10
